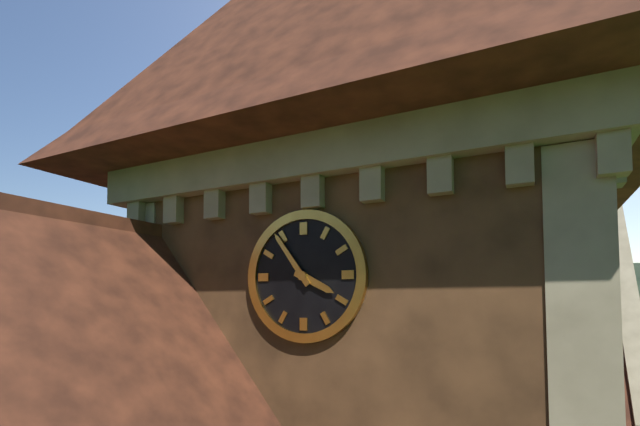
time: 3:54
